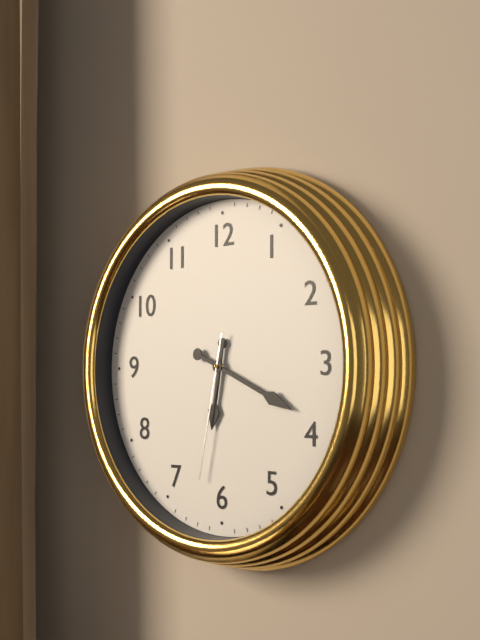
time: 6:19:32
